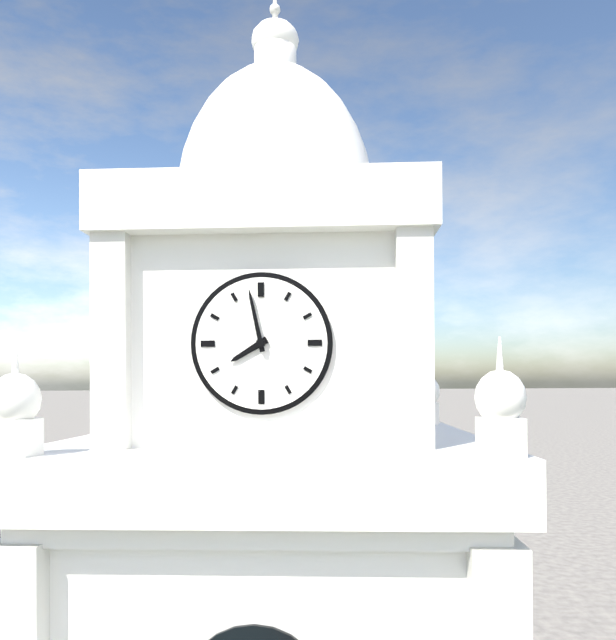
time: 7:58
